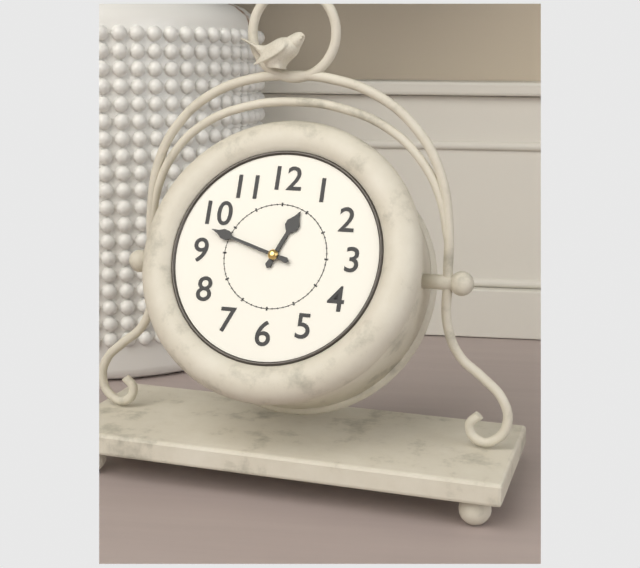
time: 12:48
